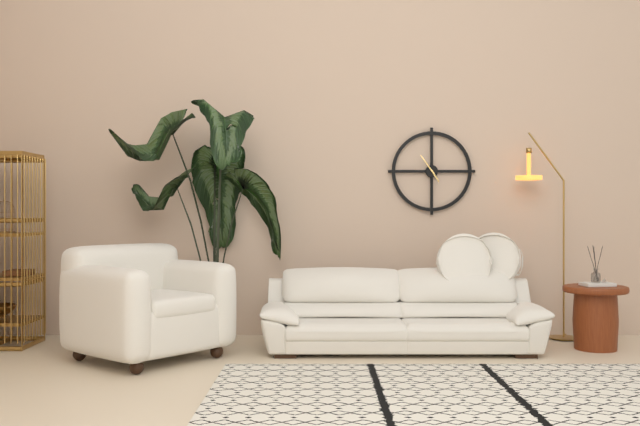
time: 4:54
